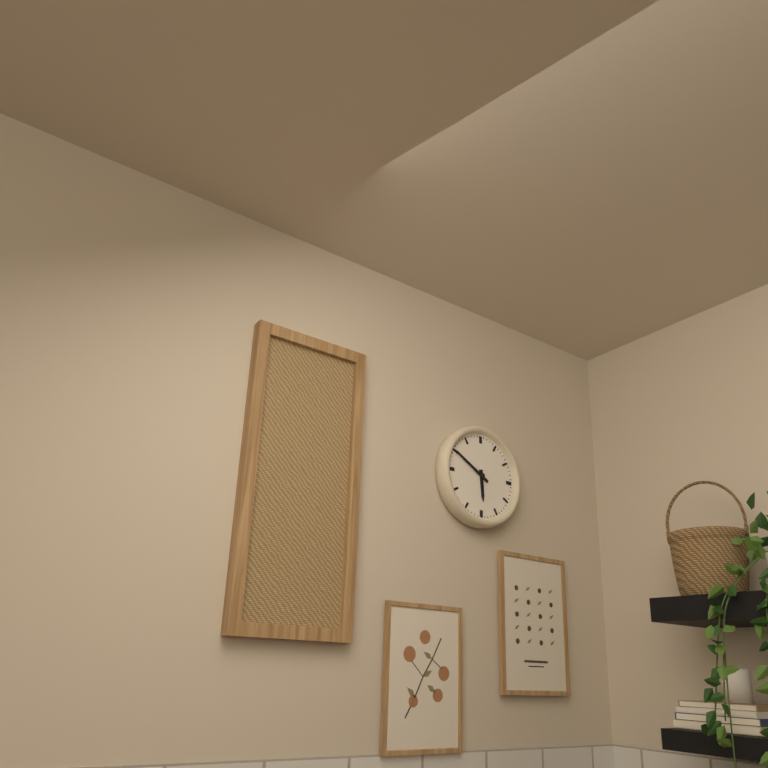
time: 5:50
